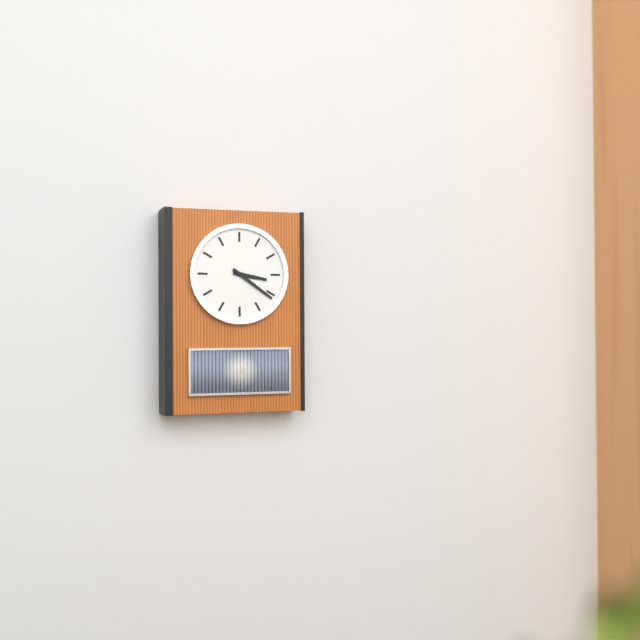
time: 3:21
